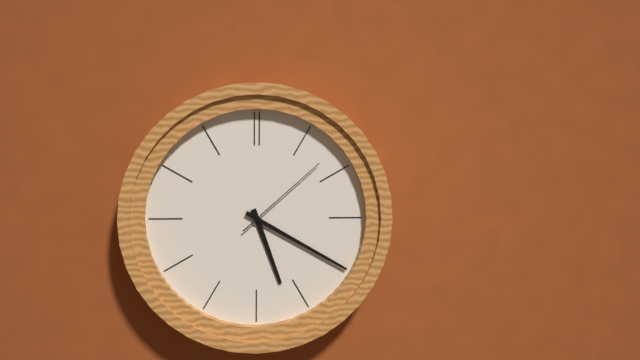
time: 5:20:08
